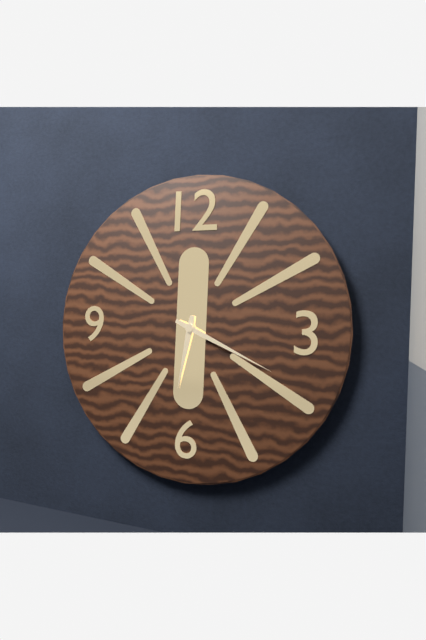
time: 6:19
